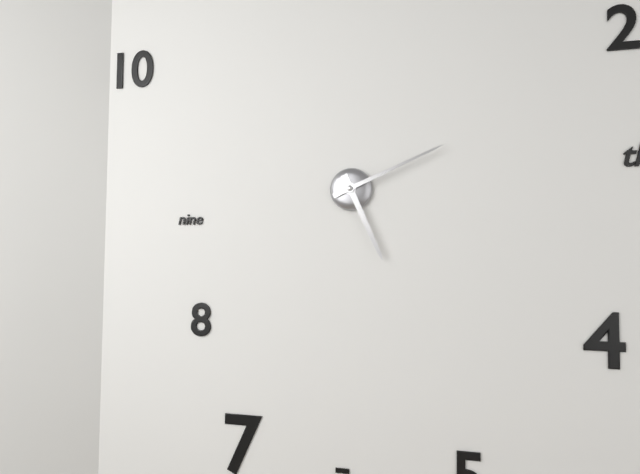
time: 5:11
